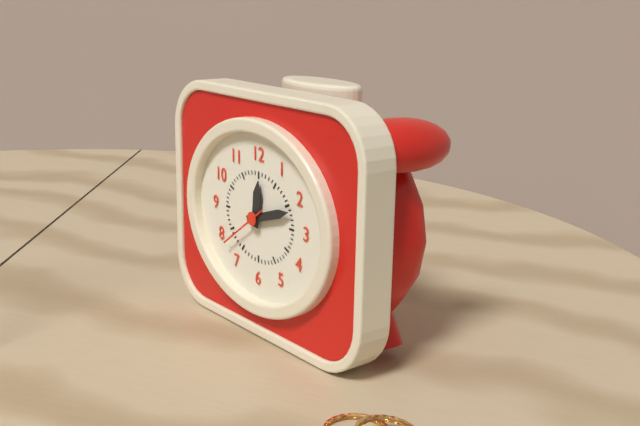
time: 12:12:39
